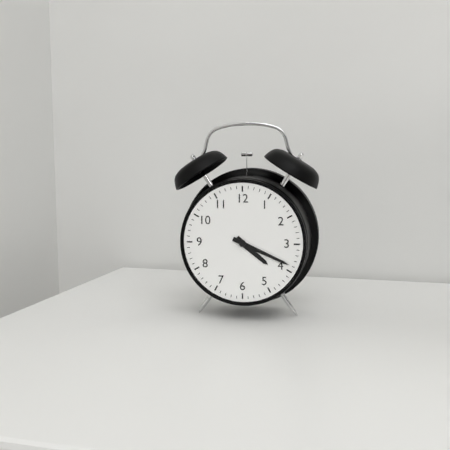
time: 4:19
